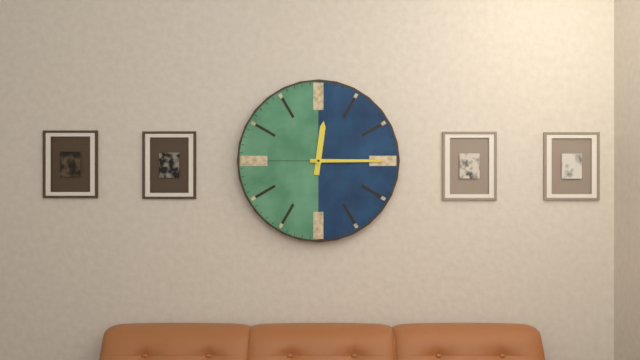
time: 12:15
